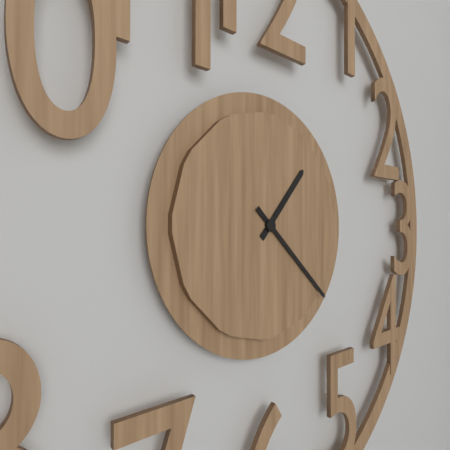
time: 1:22
